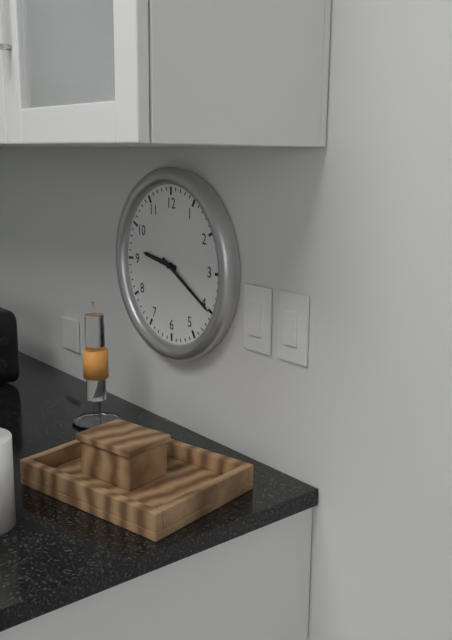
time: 9:20
